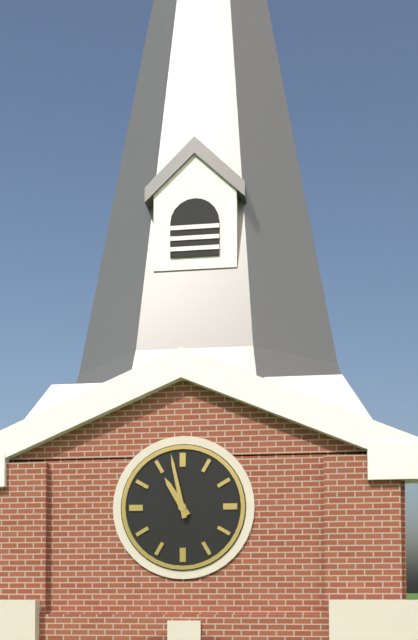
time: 10:58
